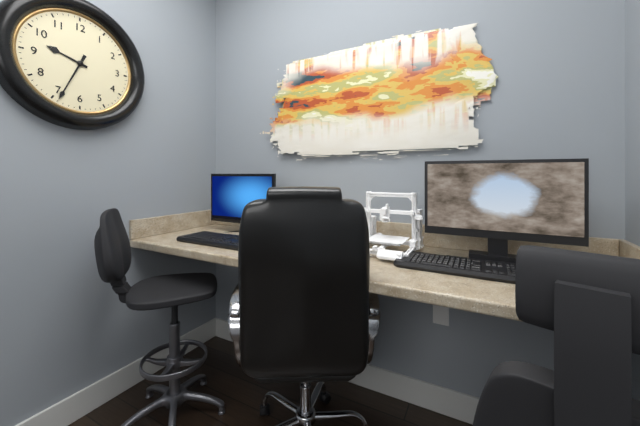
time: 9:34
